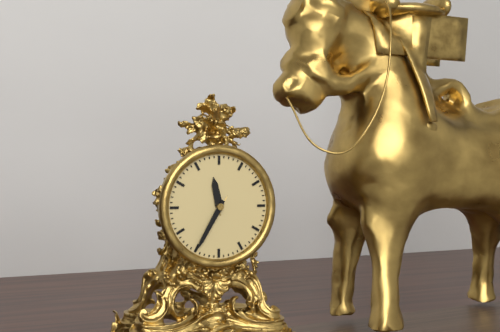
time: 11:35
